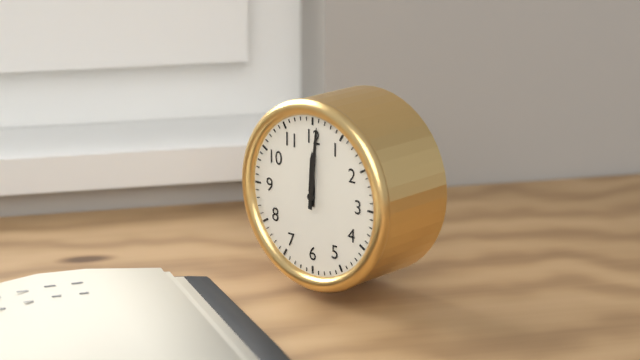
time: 12:01
